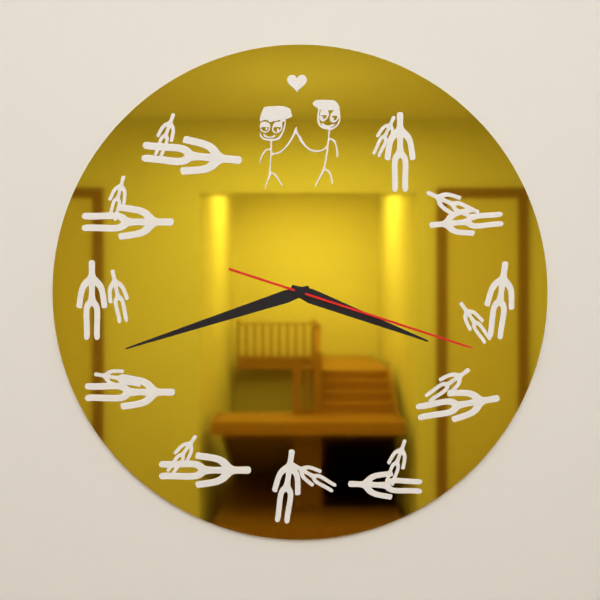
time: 3:42:18
